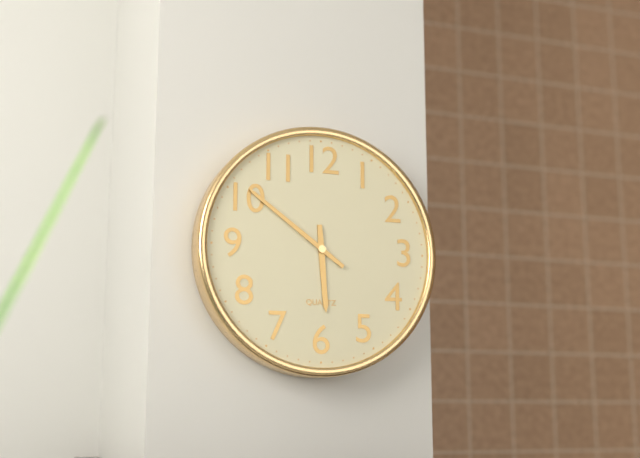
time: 5:51
